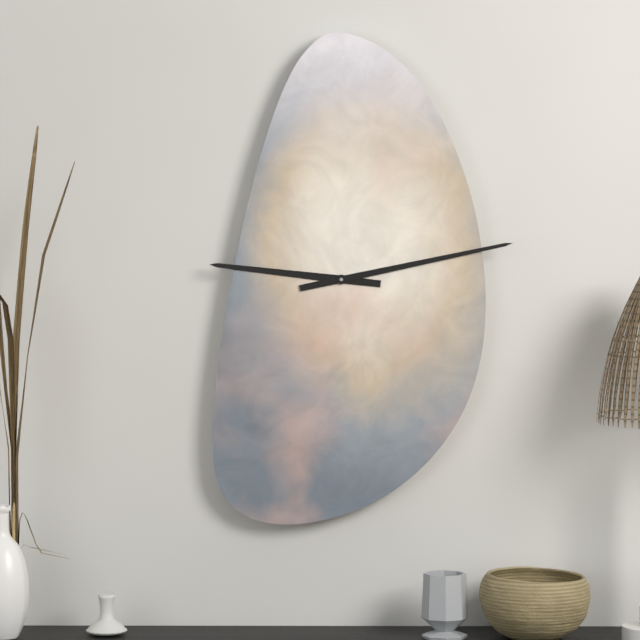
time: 9:13
